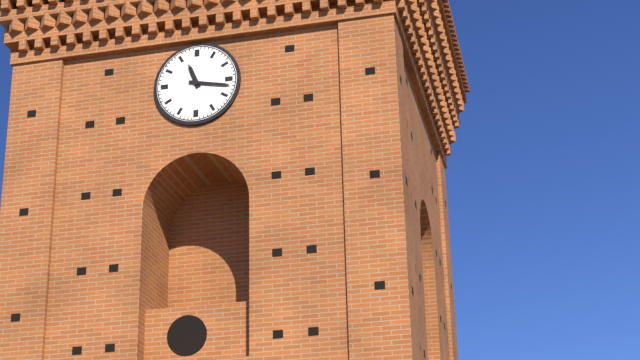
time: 11:17
